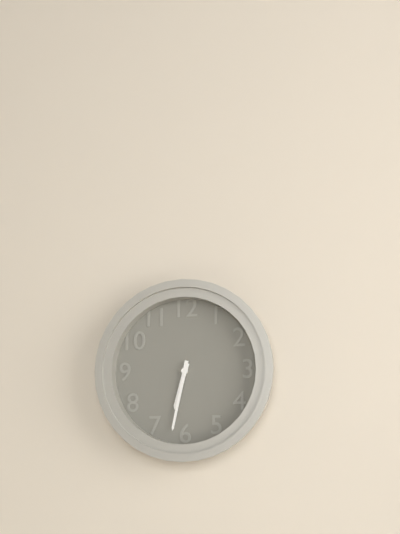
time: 6:32
